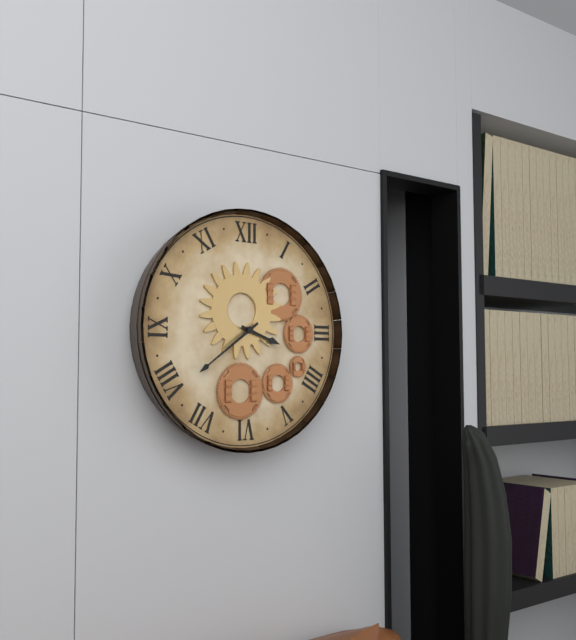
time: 3:39
